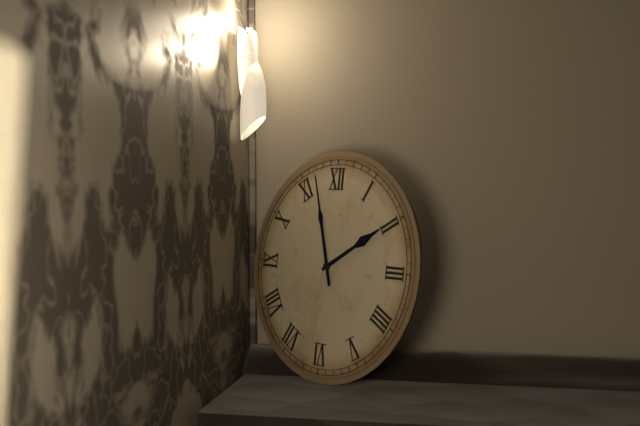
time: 1:57
